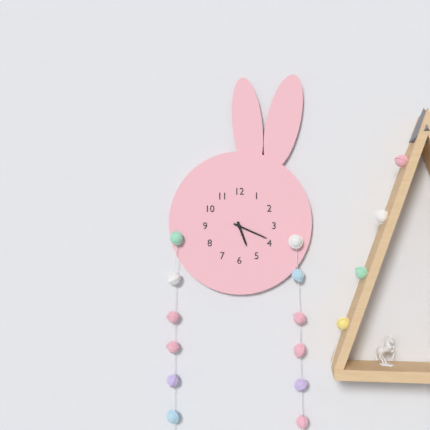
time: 5:19
